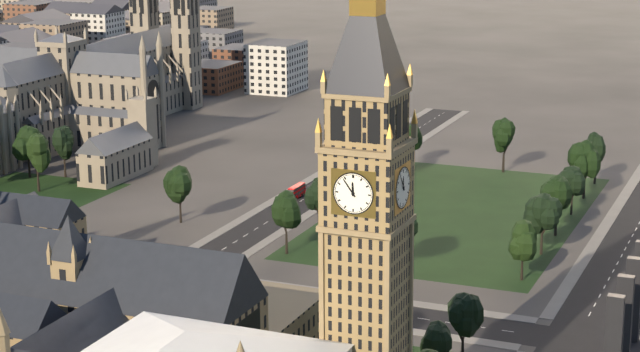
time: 11:54
